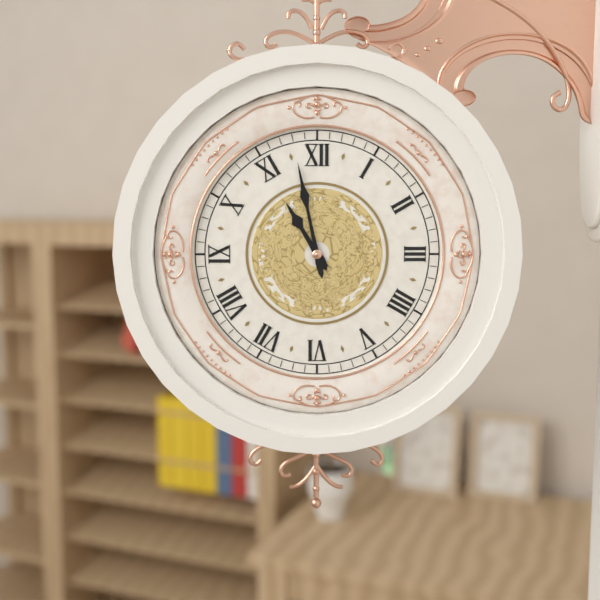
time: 10:58
